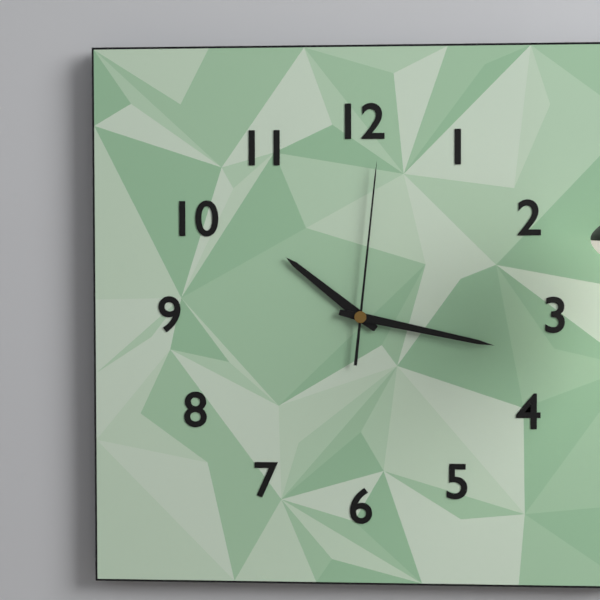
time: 10:17:01
